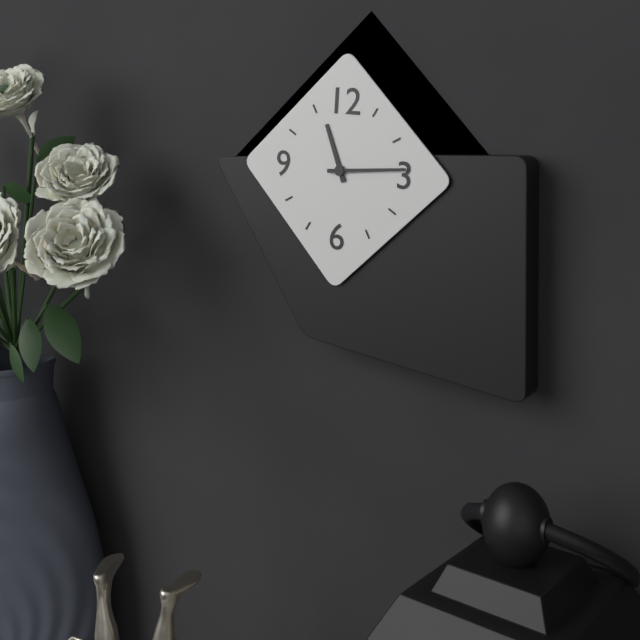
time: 11:14
